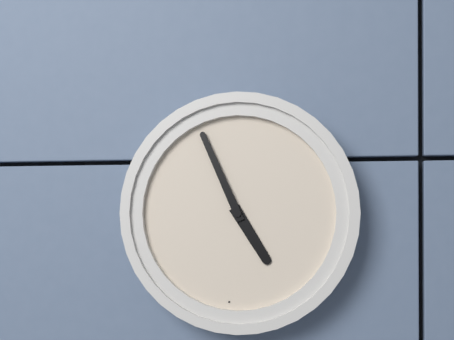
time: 4:56
